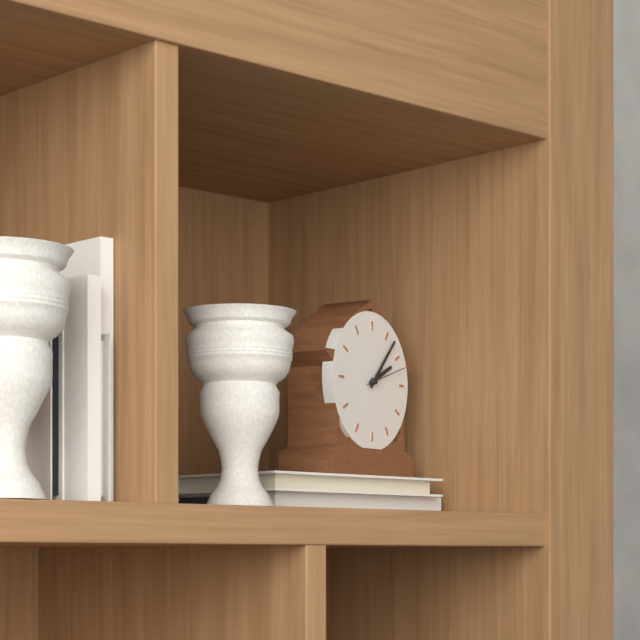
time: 2:07
